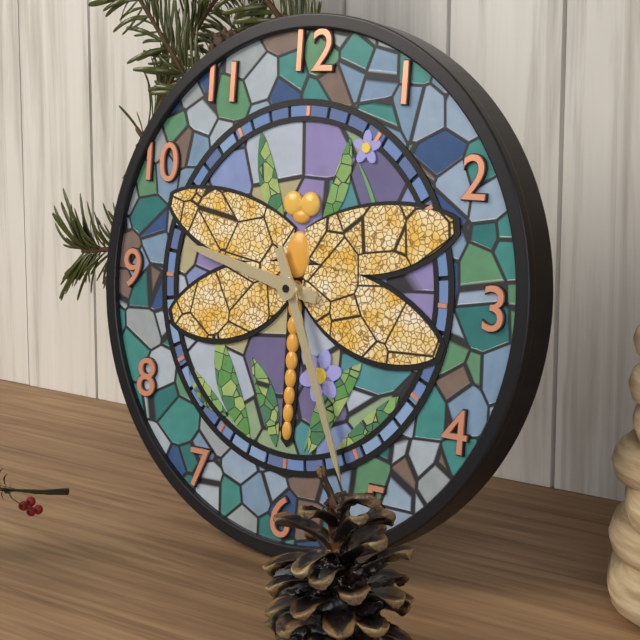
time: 9:26
